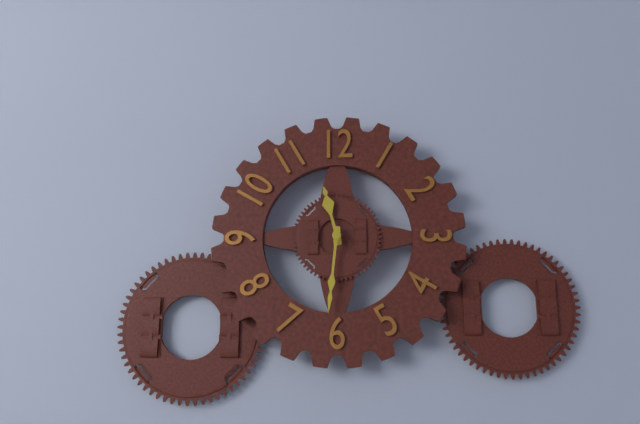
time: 11:31
